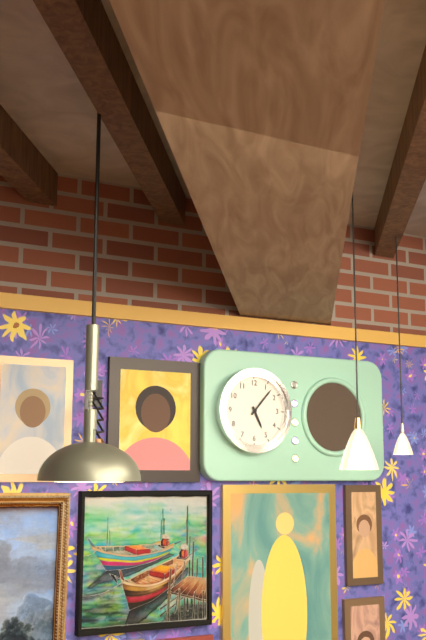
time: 5:07
